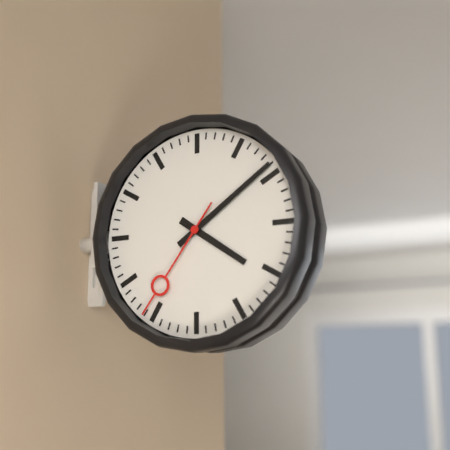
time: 4:09:36
